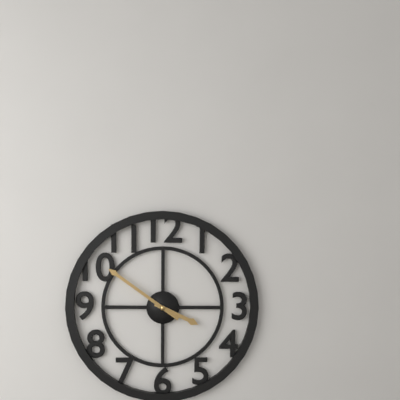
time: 3:51
